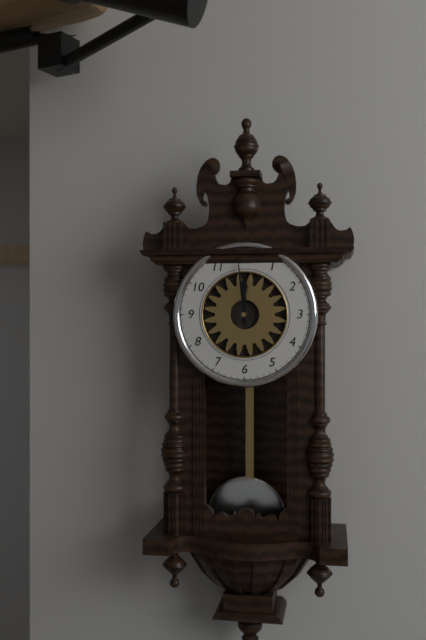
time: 11:59
